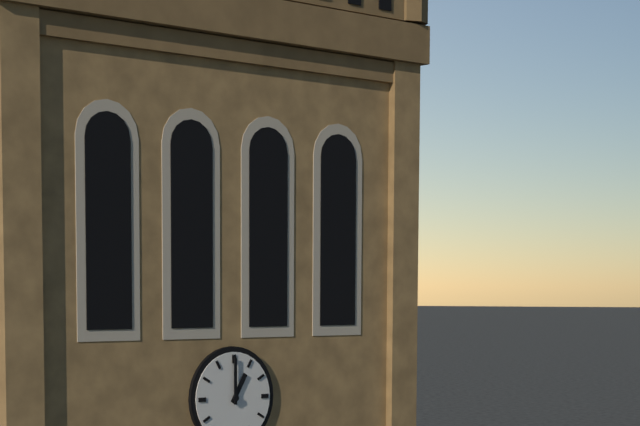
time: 1:00
